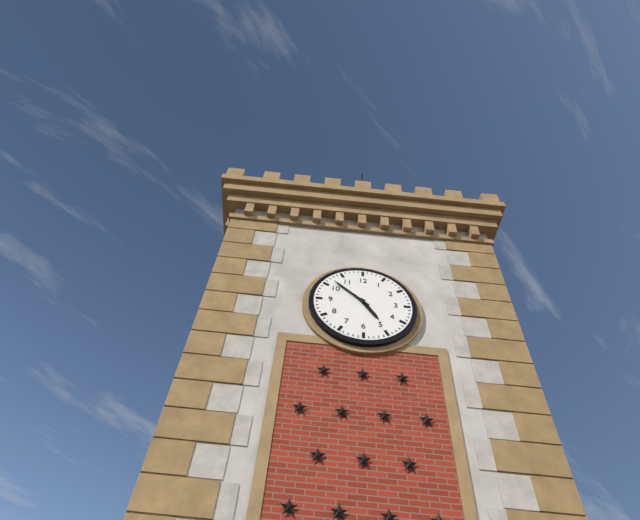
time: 4:52
